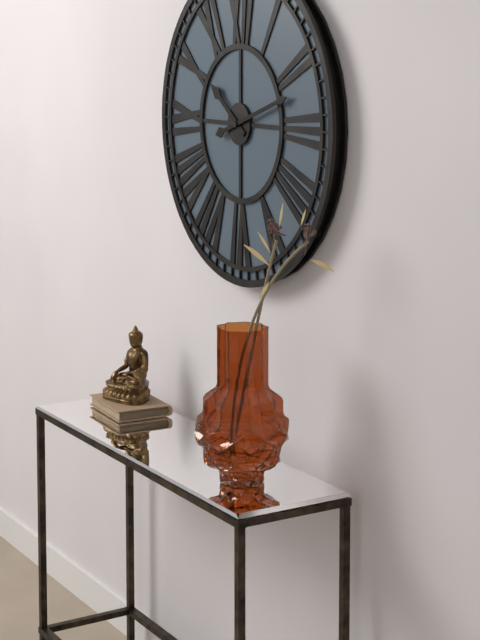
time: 10:12
